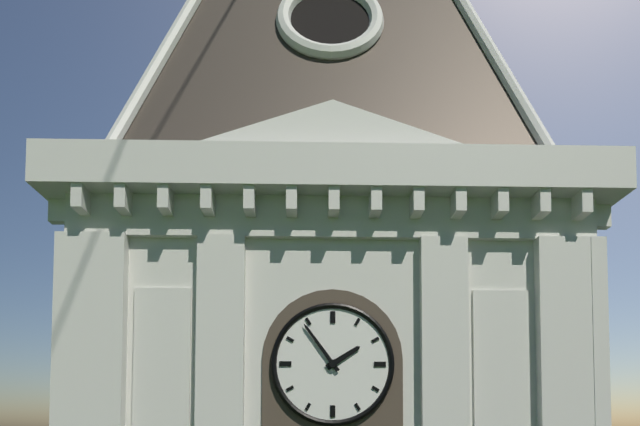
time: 1:54
